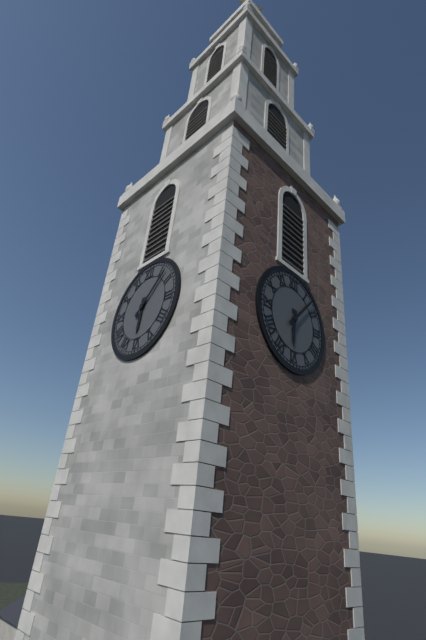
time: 6:07
